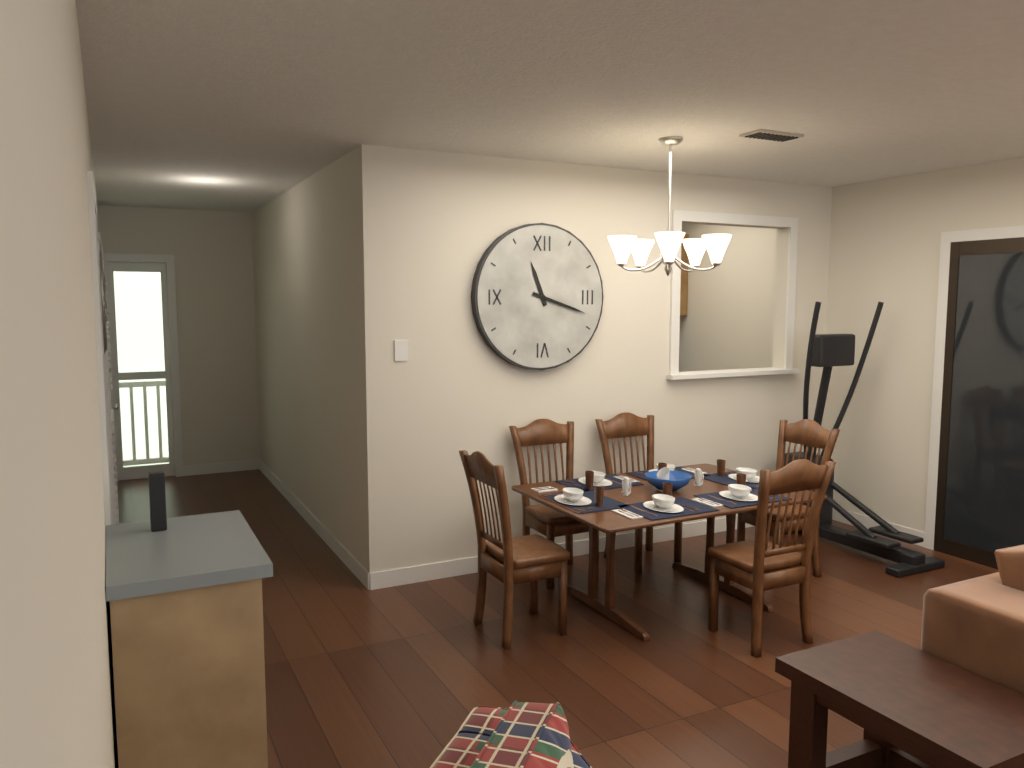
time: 11:18
